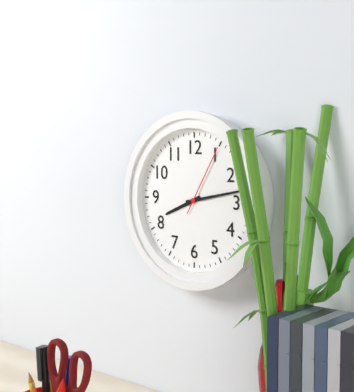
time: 8:13:05
